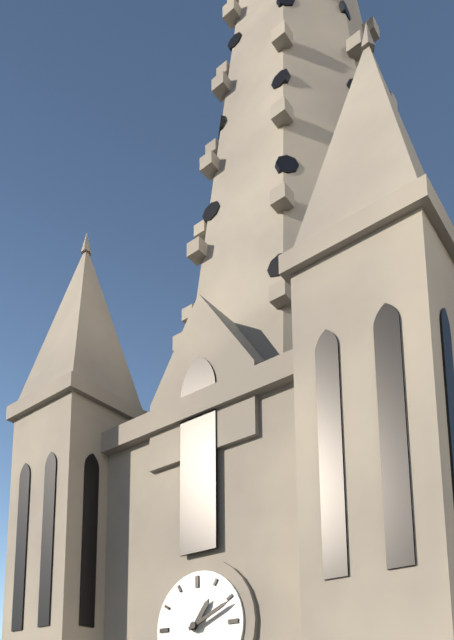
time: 1:11
